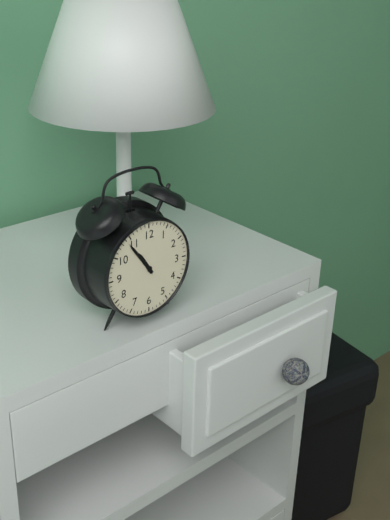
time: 10:54
